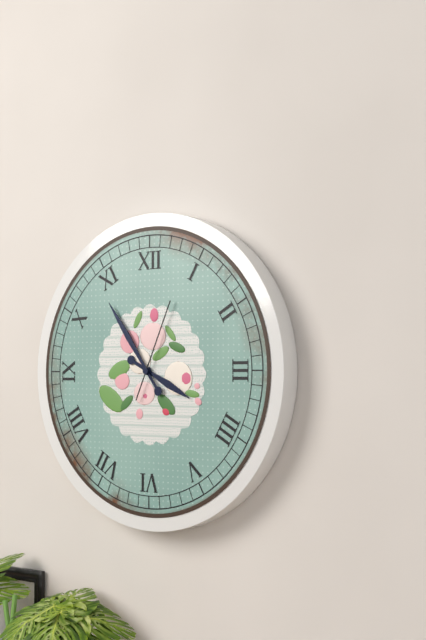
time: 3:54:04
